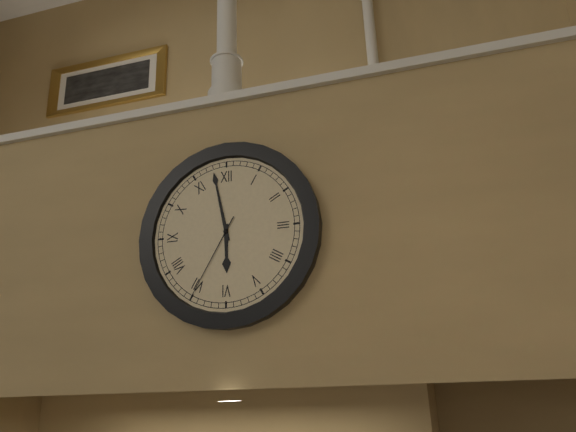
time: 5:58:35
